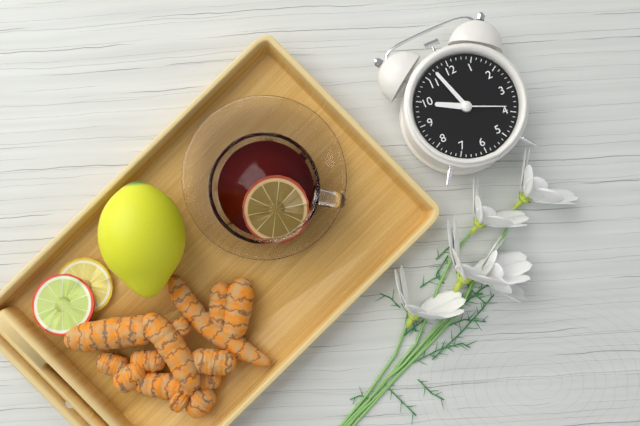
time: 9:57:19
